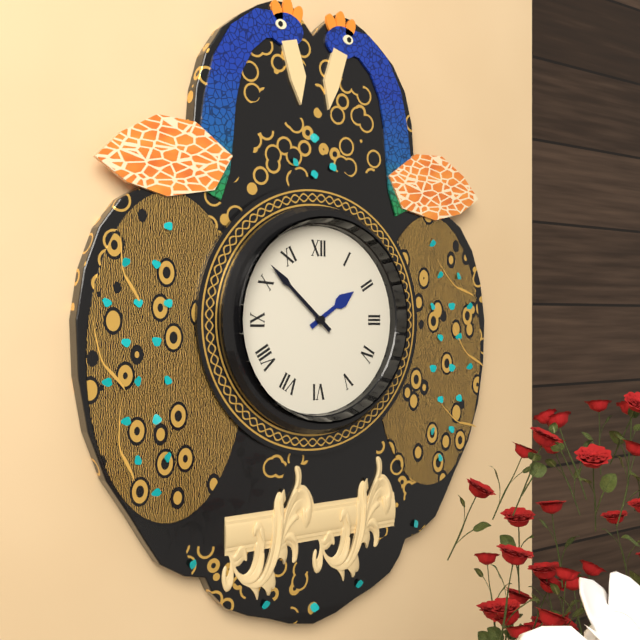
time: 1:52
